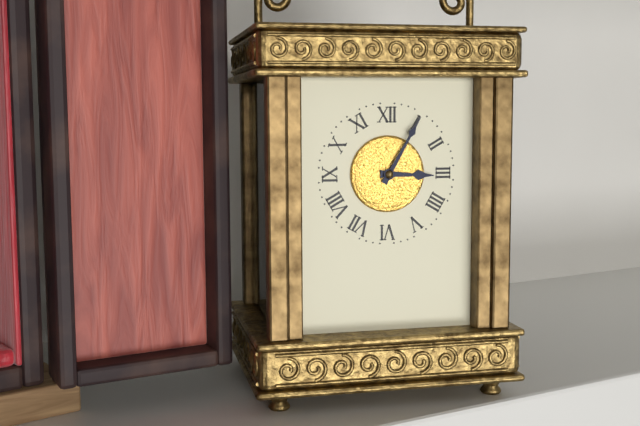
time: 3:05
